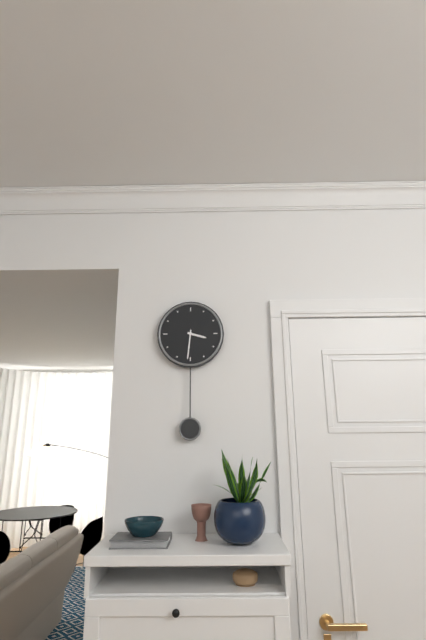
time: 3:31
